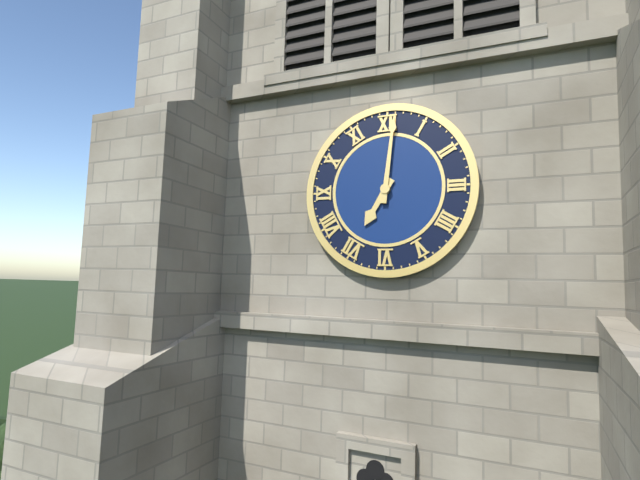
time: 7:01
